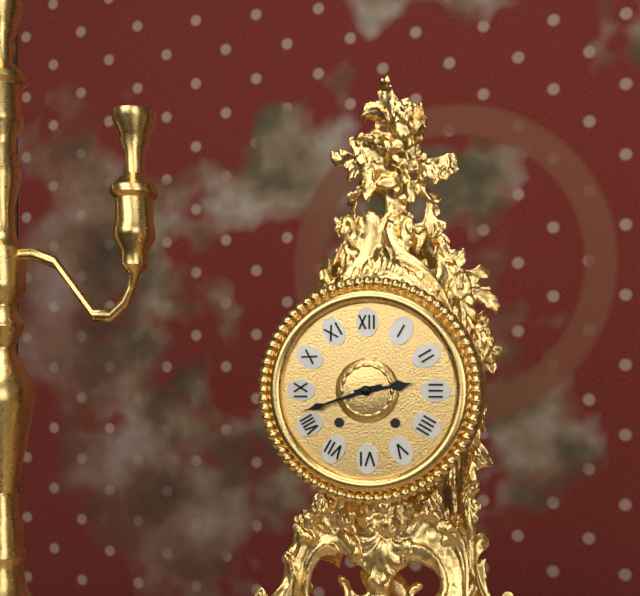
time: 2:42
